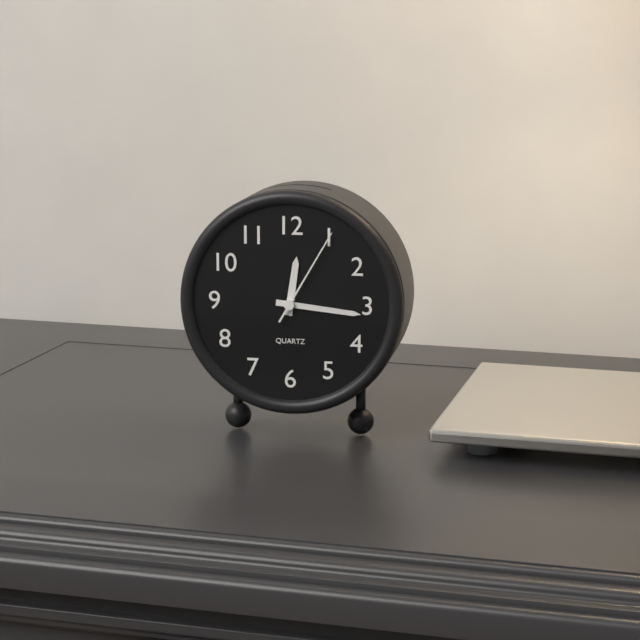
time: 12:16:05
